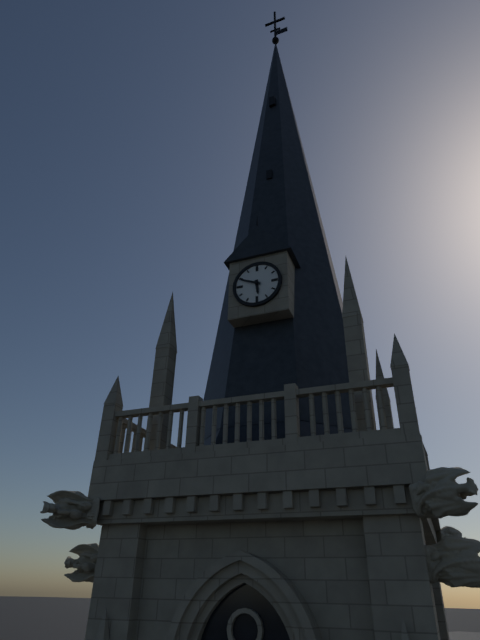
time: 5:49
